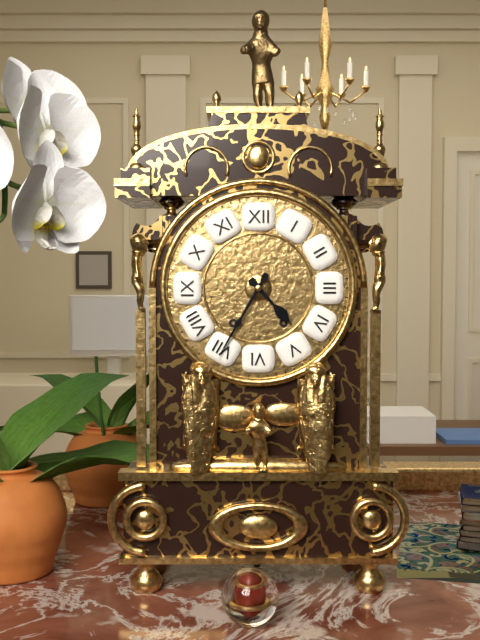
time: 4:35
